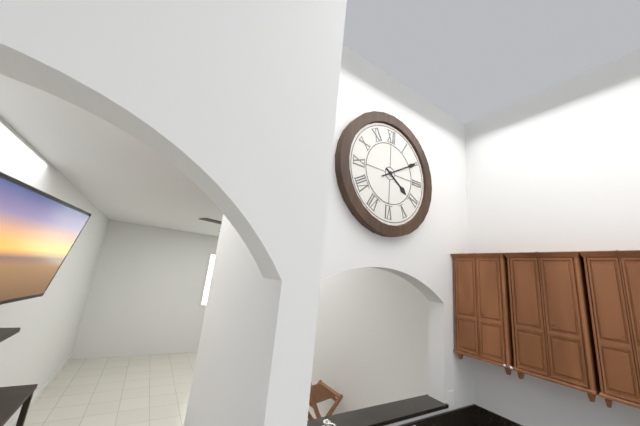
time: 4:10
